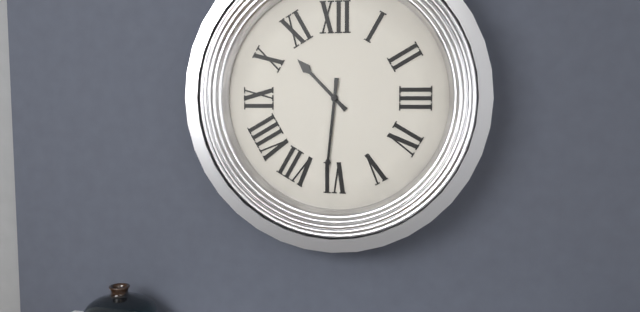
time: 10:31
